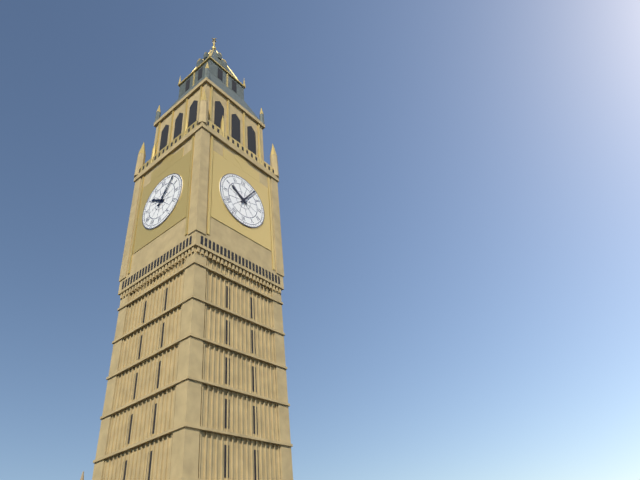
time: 10:06
